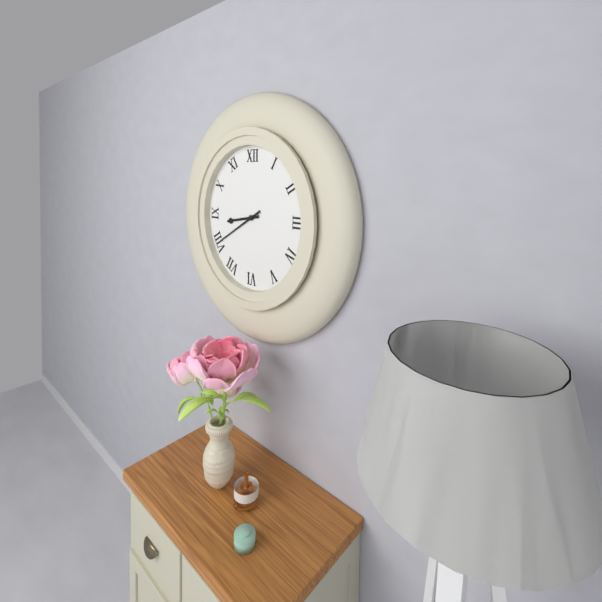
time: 8:40
